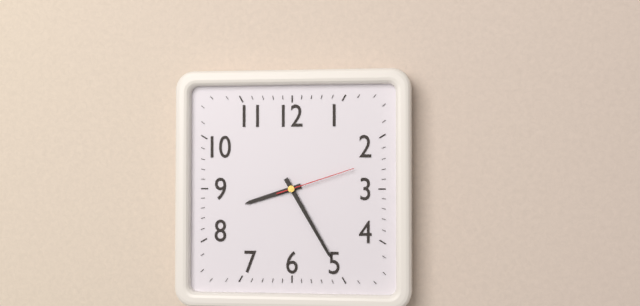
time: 8:25:12
